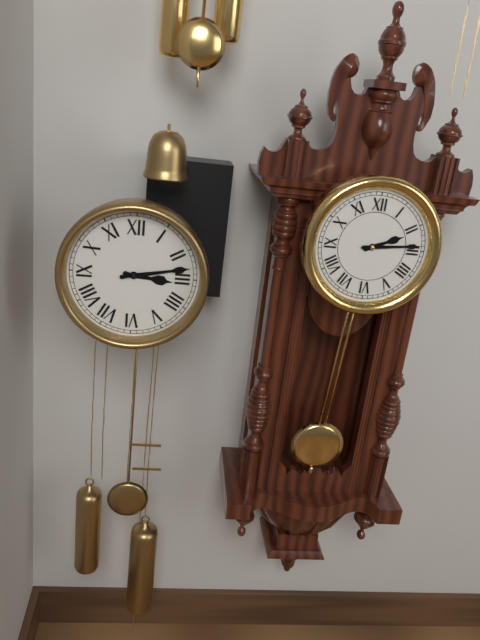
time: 3:13
